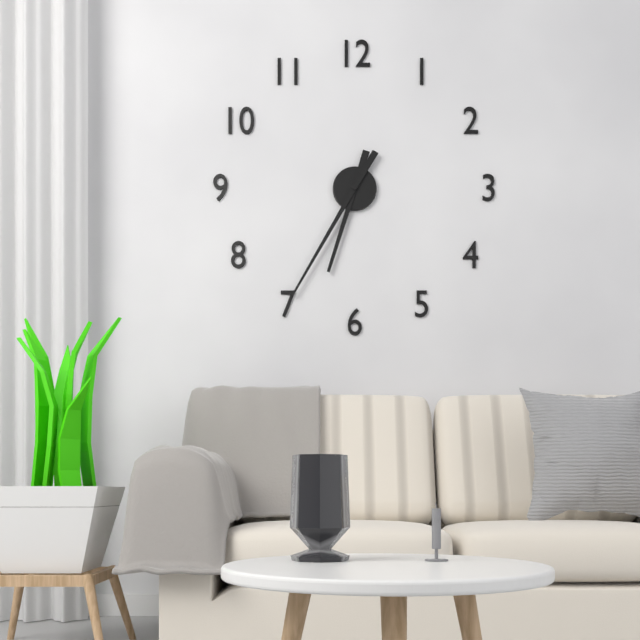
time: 6:35
